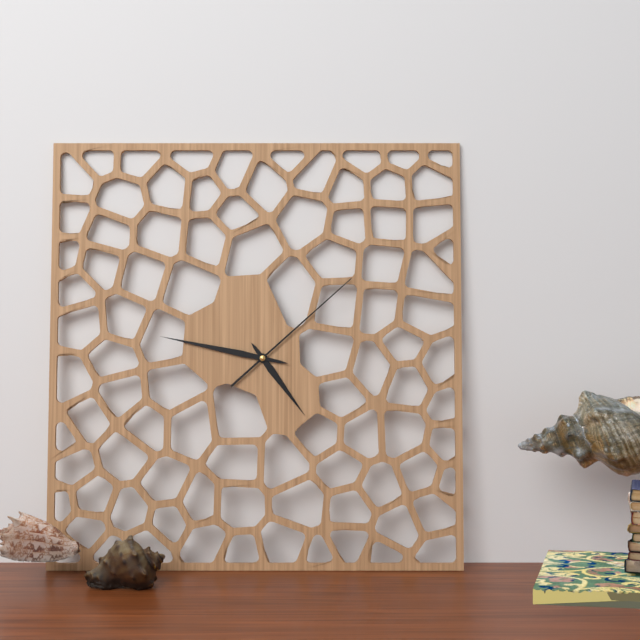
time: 4:47:08
